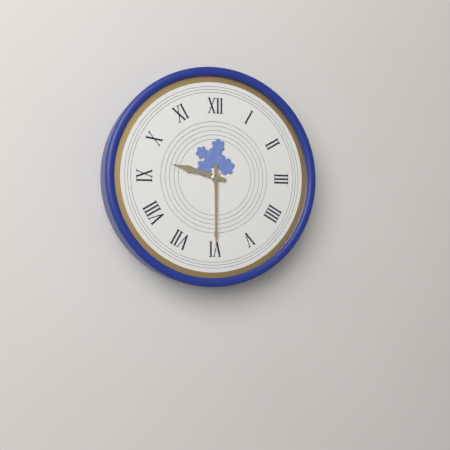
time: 9:30
